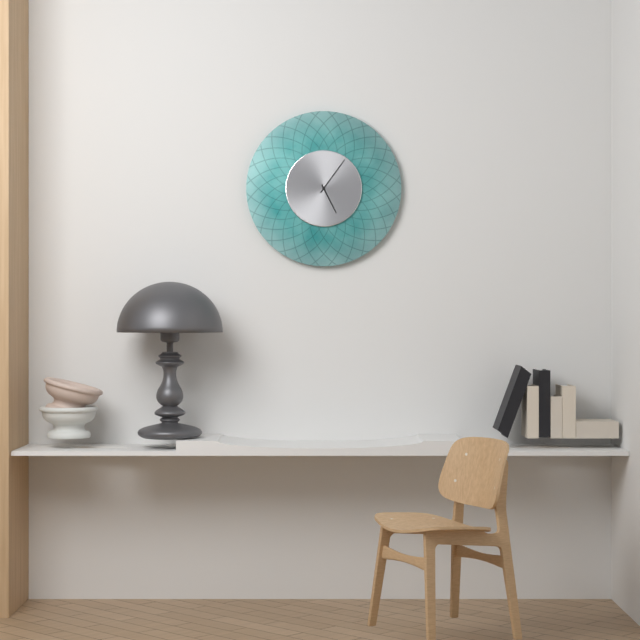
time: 5:06
